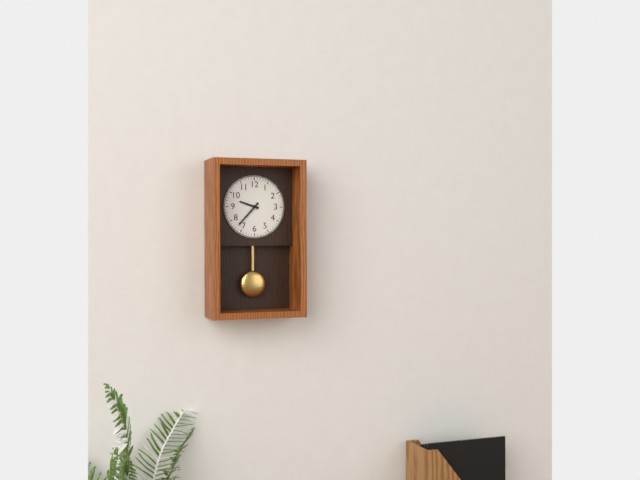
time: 9:37
